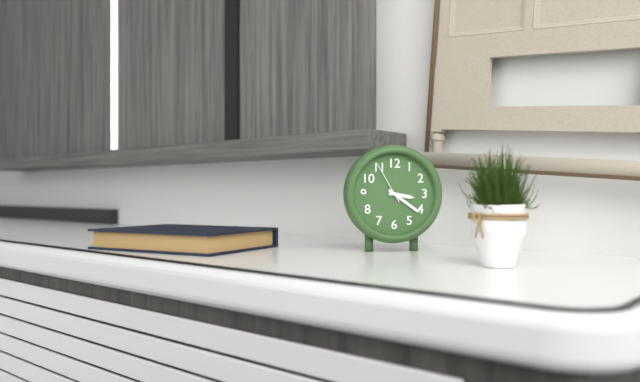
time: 3:21
